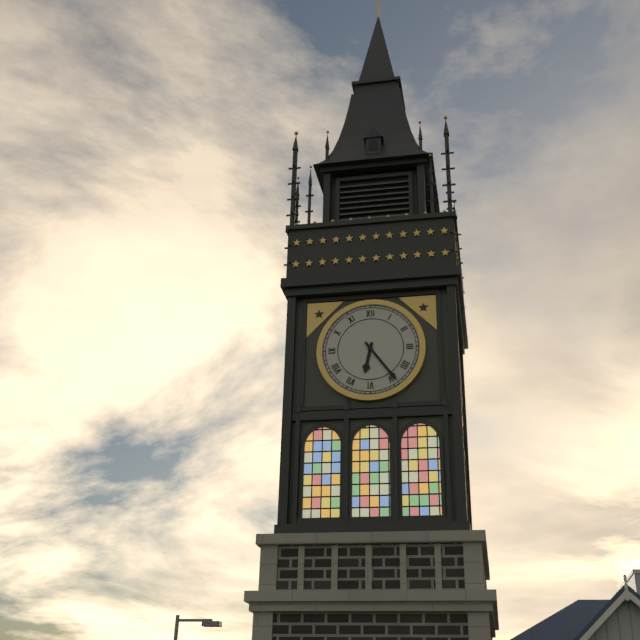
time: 6:24
